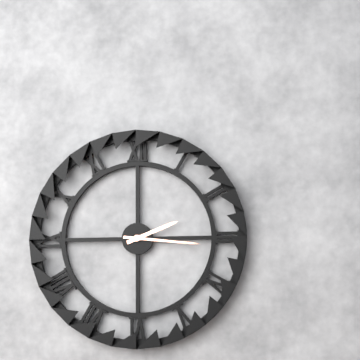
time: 2:16
